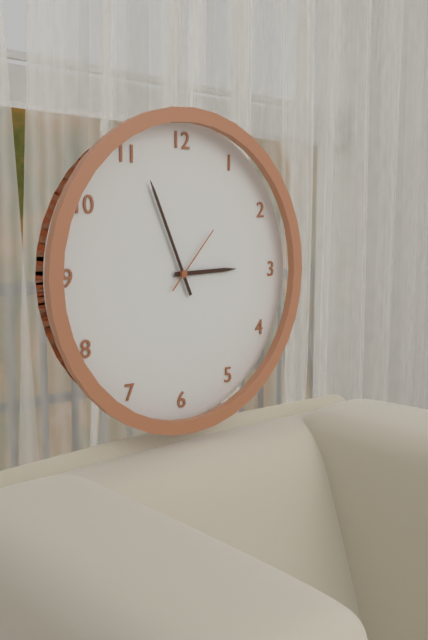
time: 2:56:07
